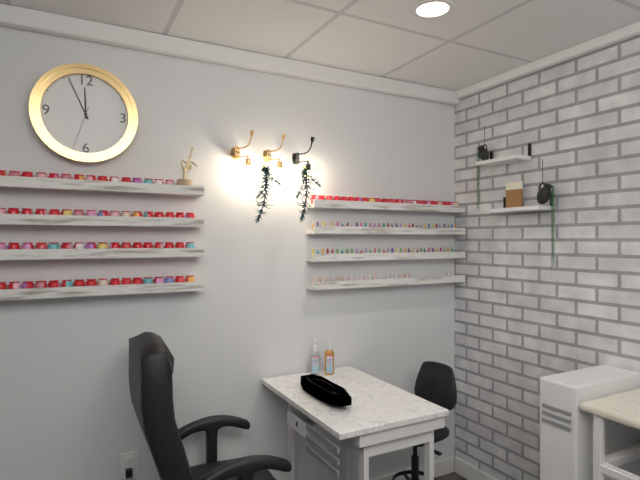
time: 11:56
